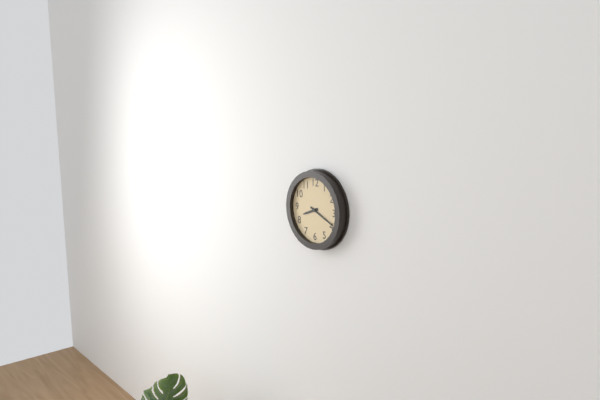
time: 8:19
